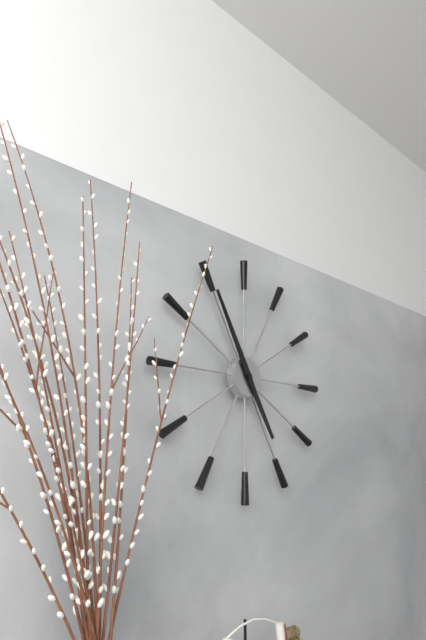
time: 4:55
